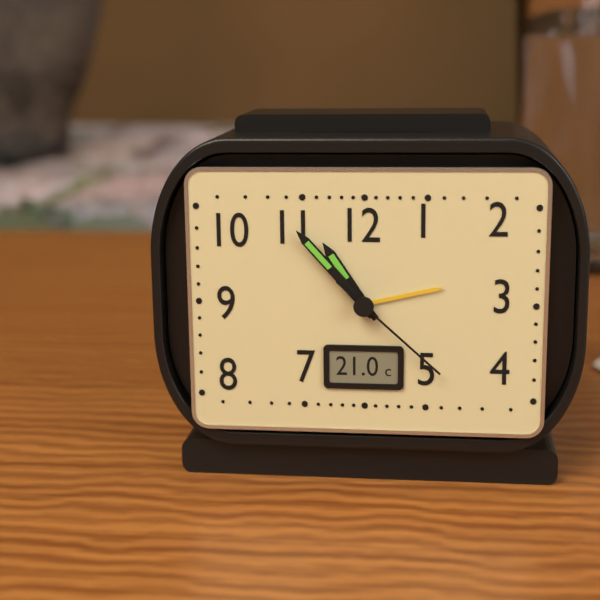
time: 10:53:22
